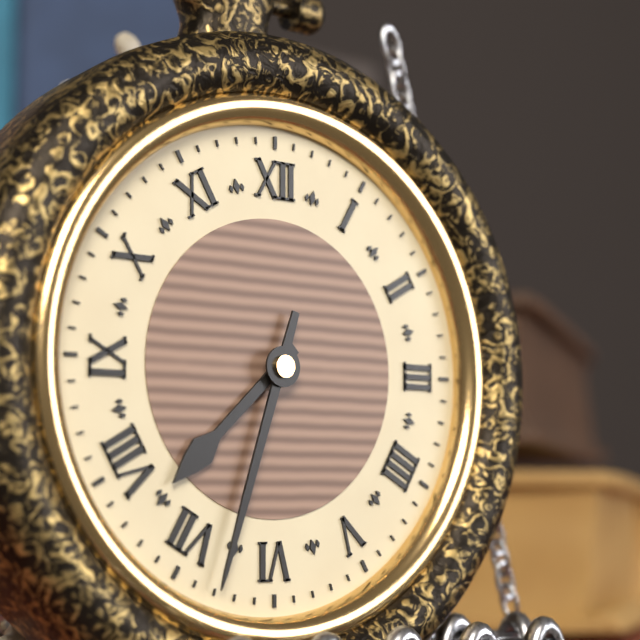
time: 7:33
